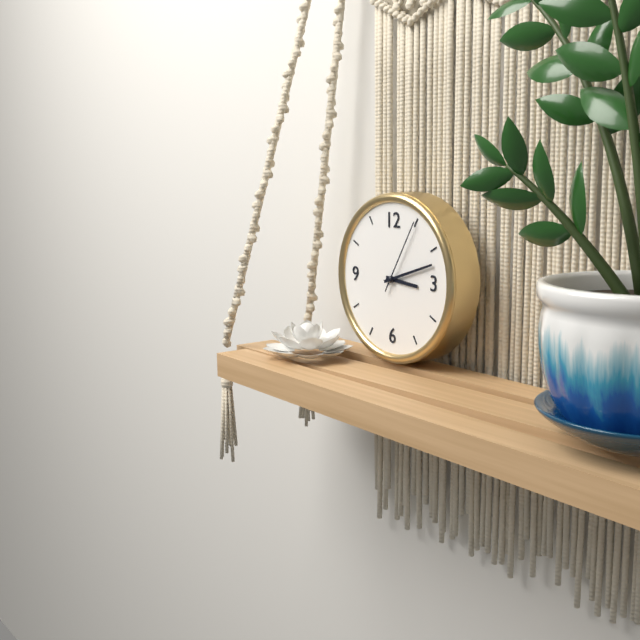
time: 3:12:05
